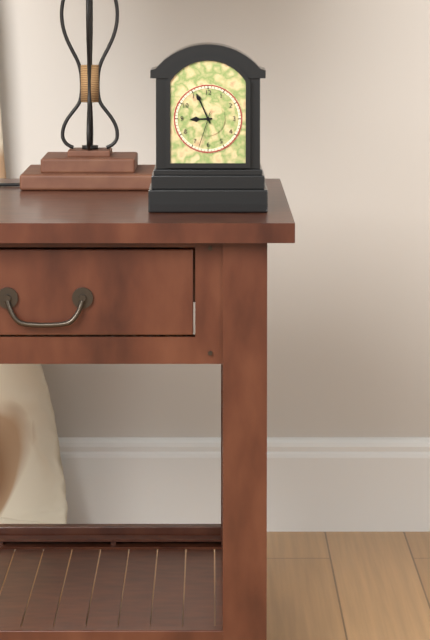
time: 8:56
